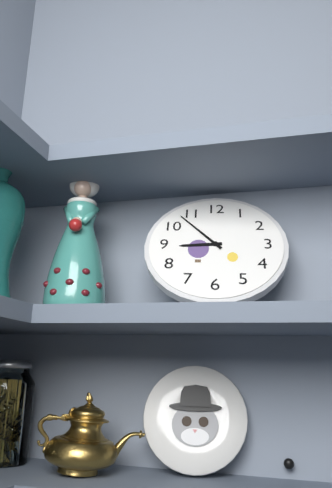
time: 8:53
